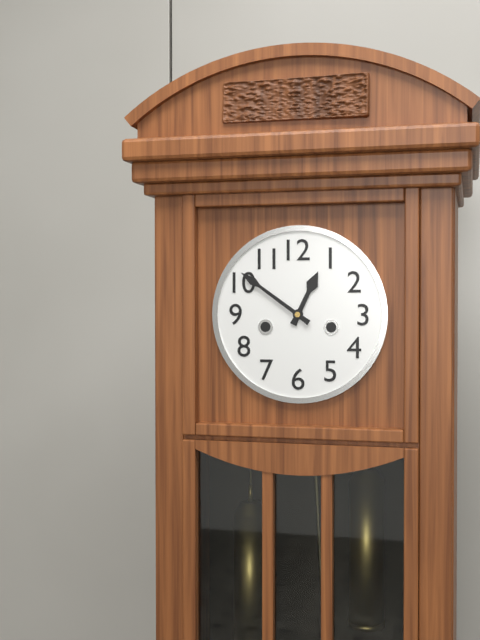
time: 12:51
